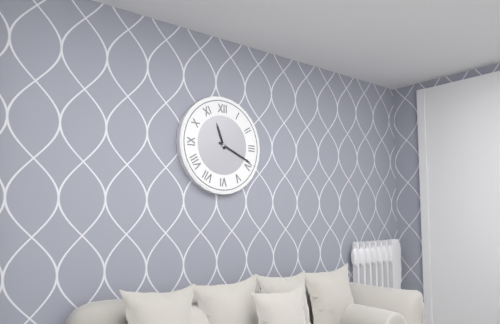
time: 11:19
